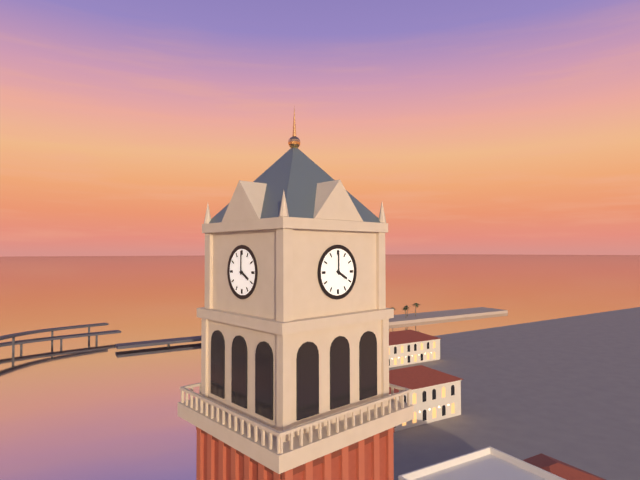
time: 4:00
